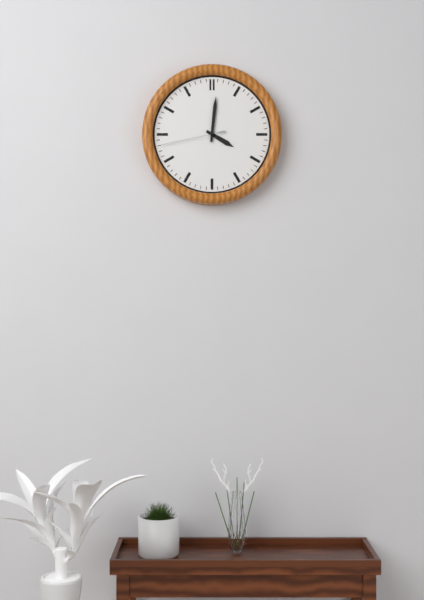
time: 4:01:43
